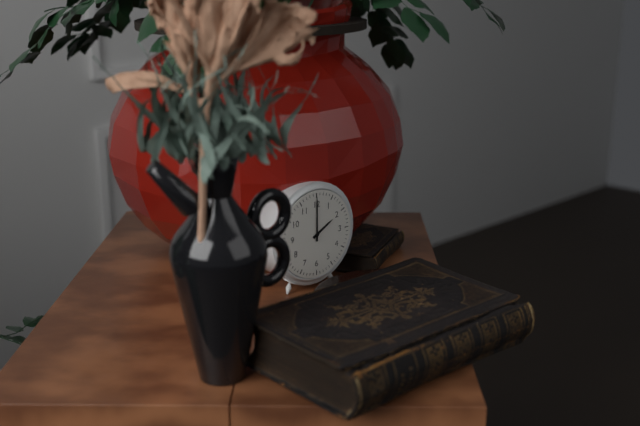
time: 2:00
